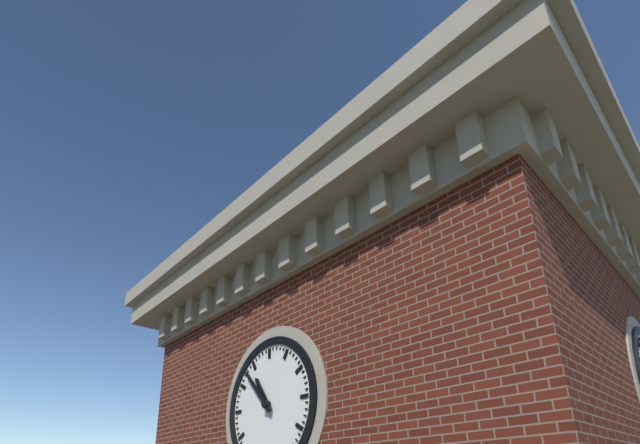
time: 10:53
